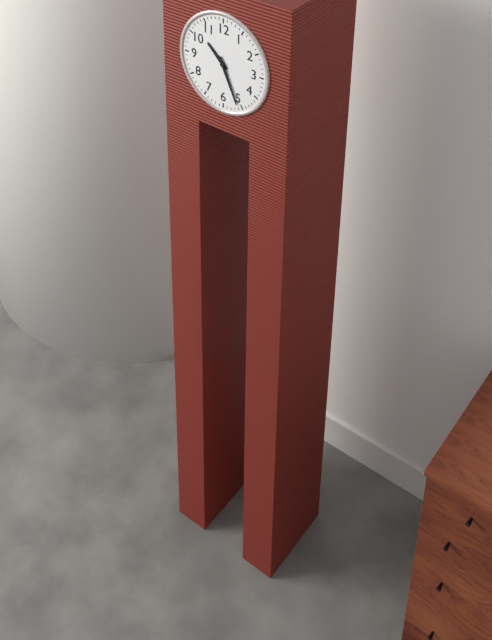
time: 10:26
